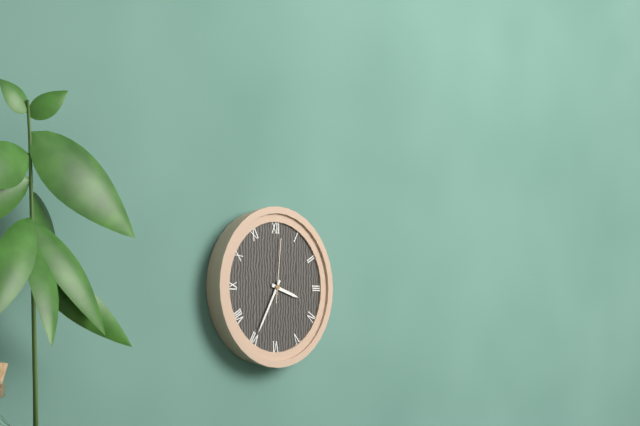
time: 3:35:01
